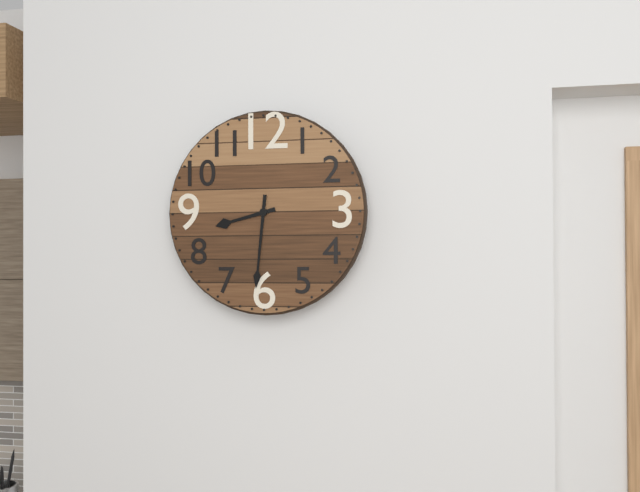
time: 8:31
